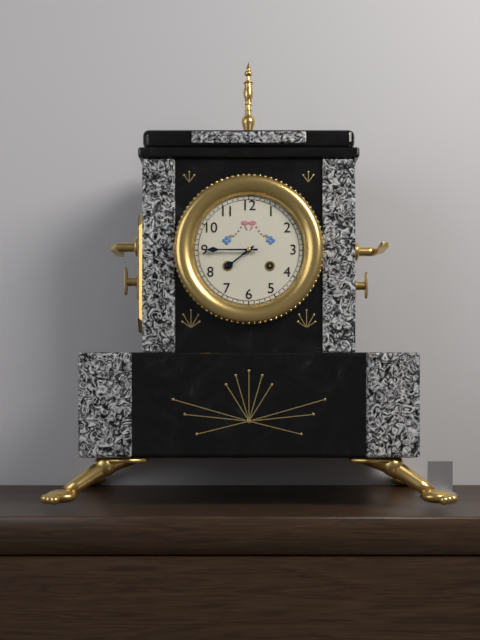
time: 7:45
